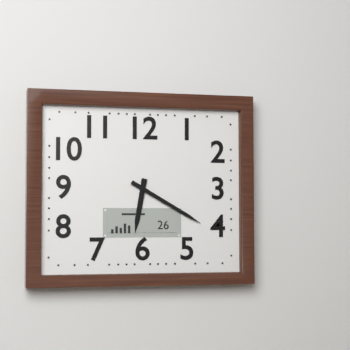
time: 6:20
